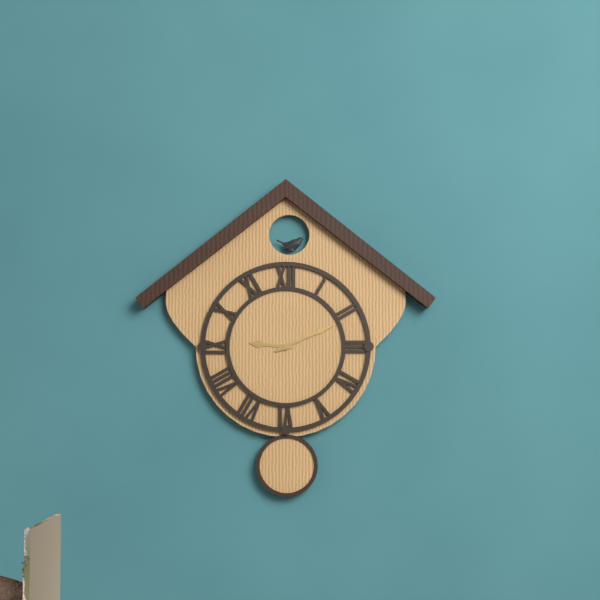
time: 9:11
